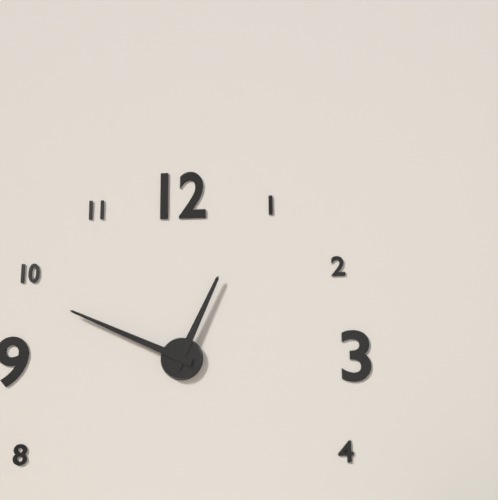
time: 12:49
